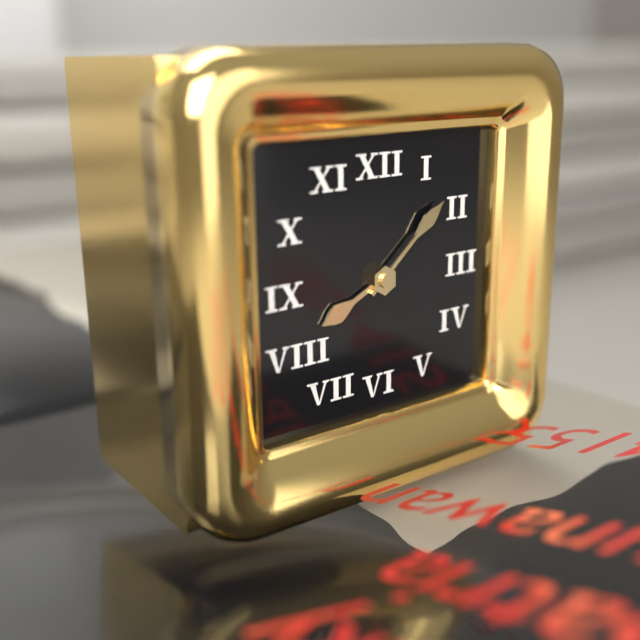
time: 8:08
